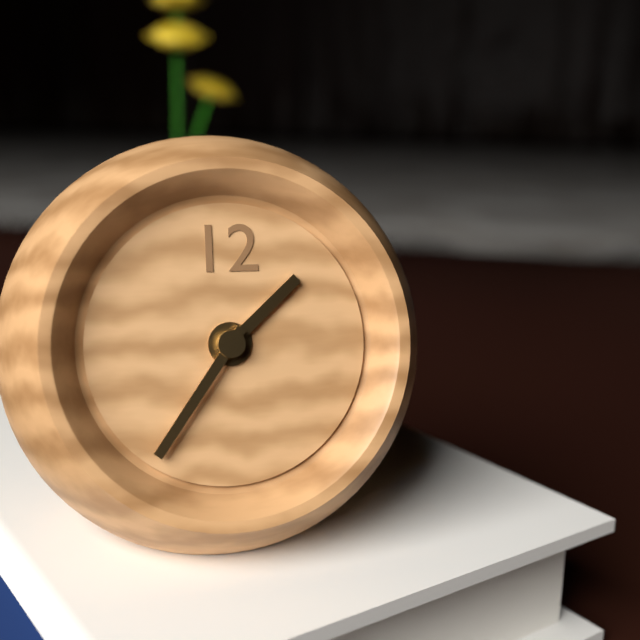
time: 1:36
